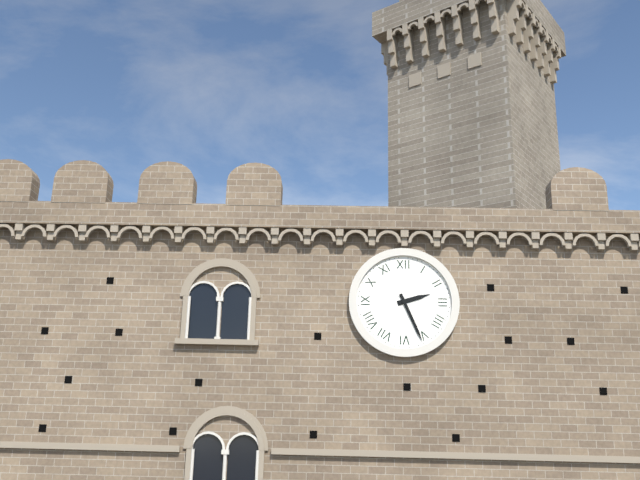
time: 2:26
